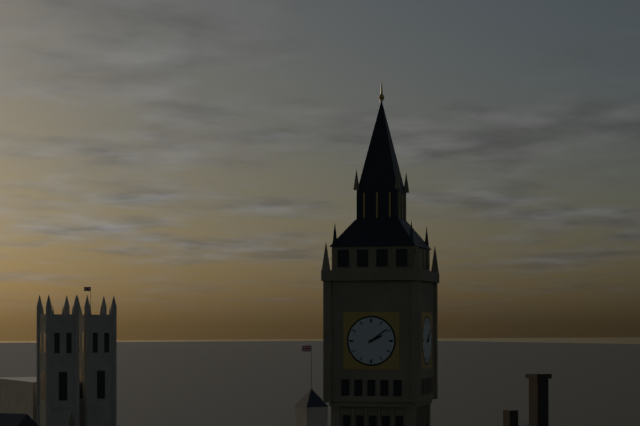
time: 2:09
